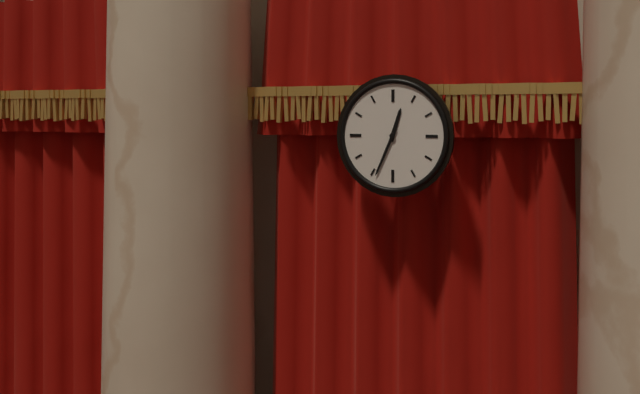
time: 12:34
